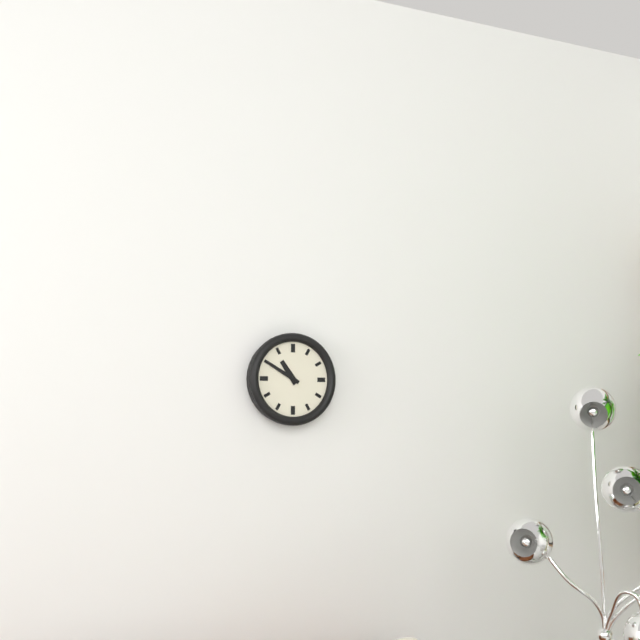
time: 10:50
